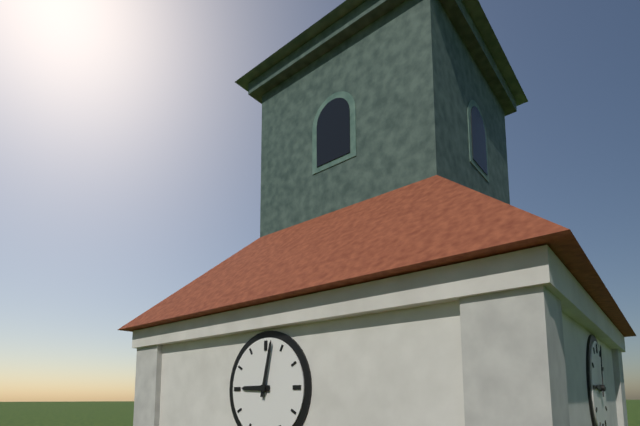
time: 9:02
